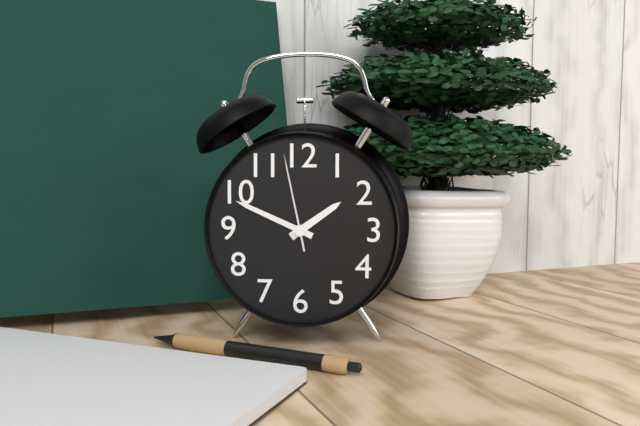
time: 1:49:58
